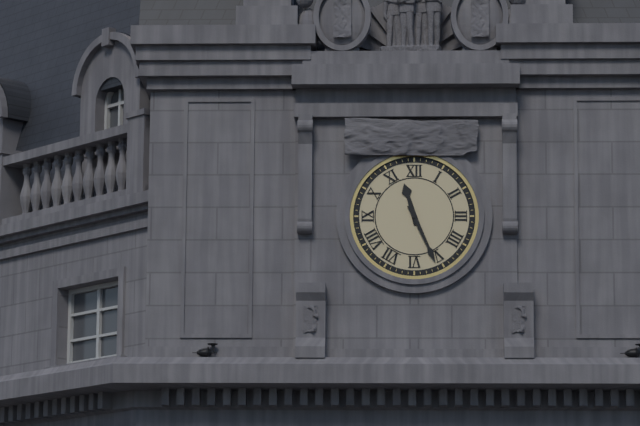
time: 11:26
